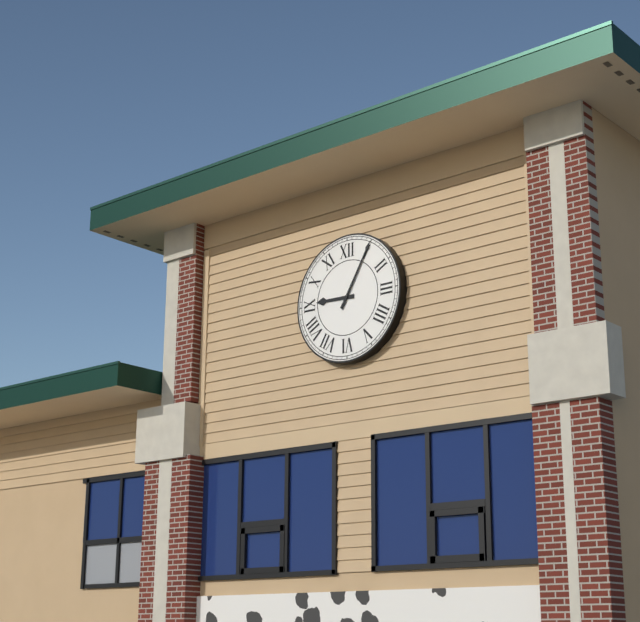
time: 9:05
